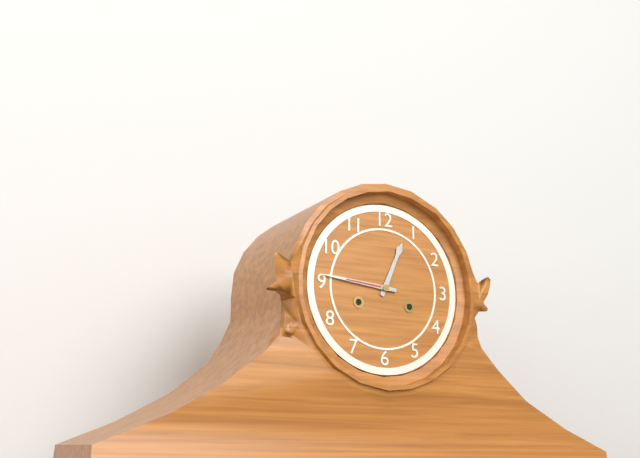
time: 12:46
